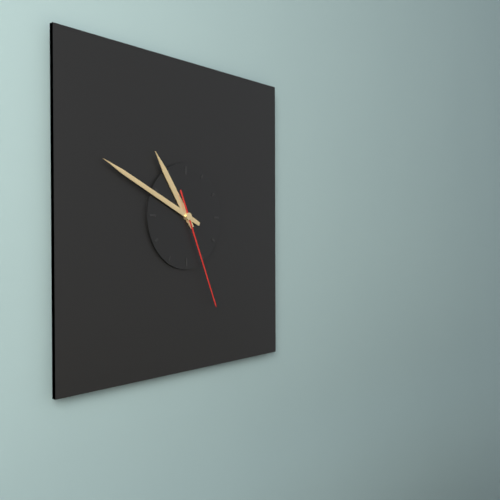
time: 10:49:26
